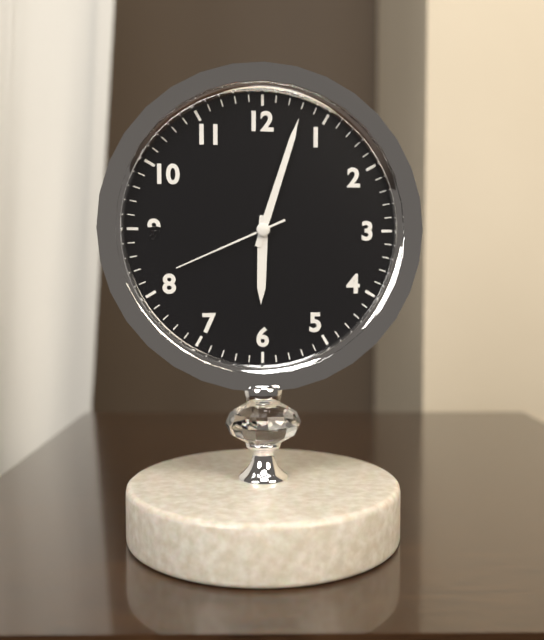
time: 6:03:41
